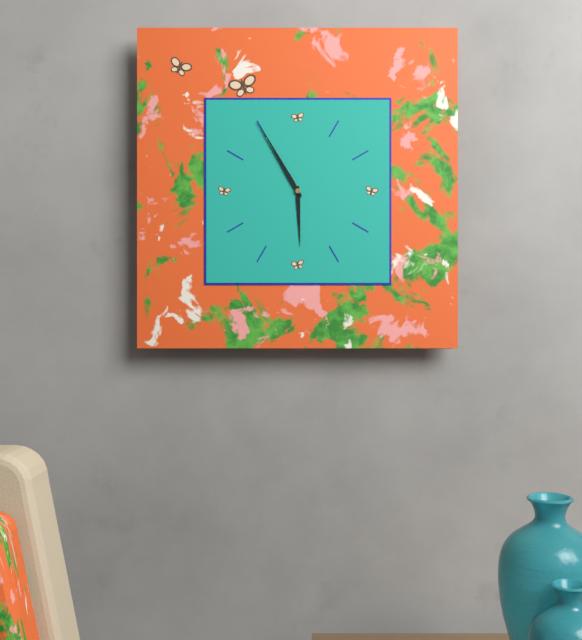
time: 5:55
